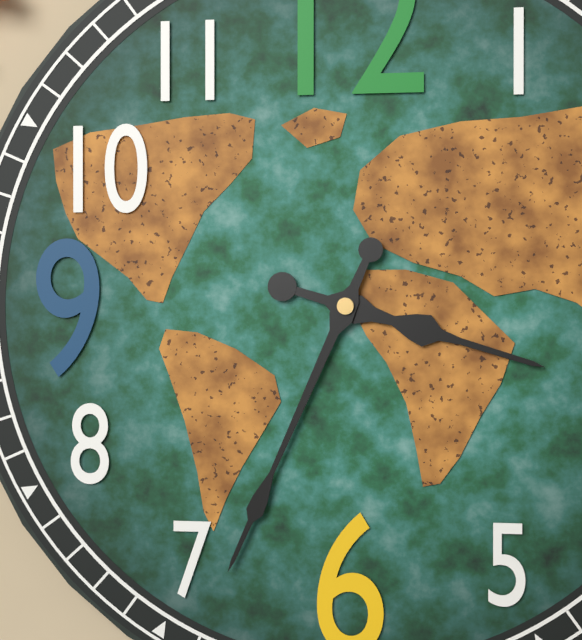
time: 3:34
